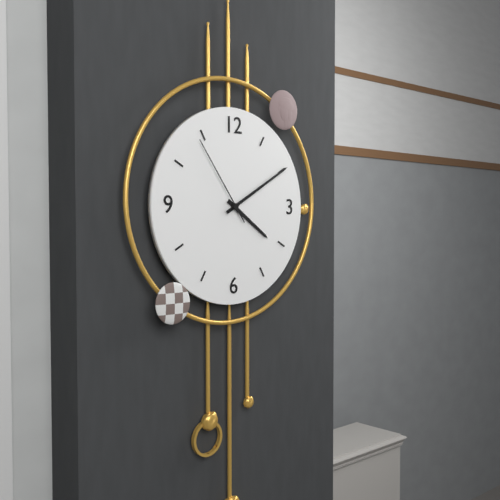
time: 4:10:54
